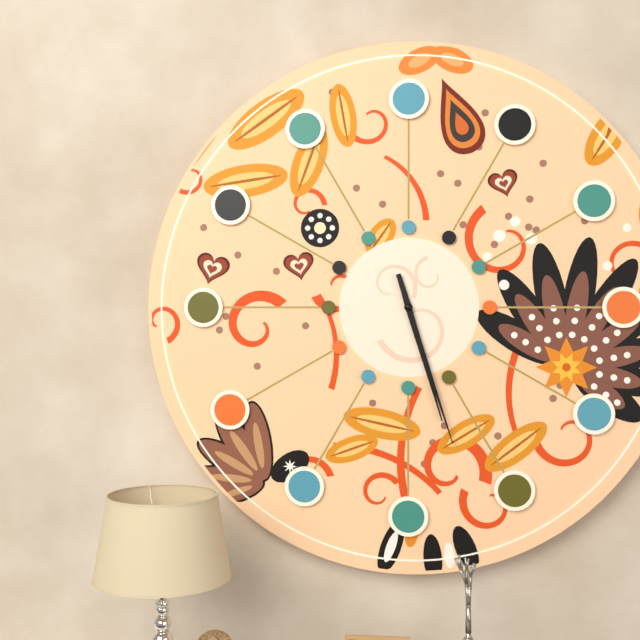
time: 5:27
